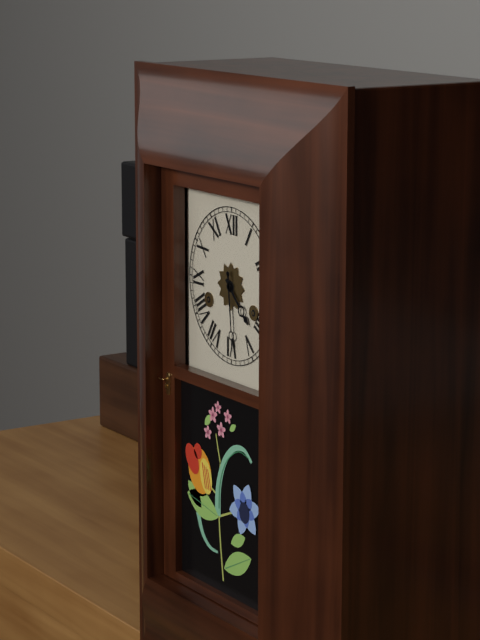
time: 4:29
